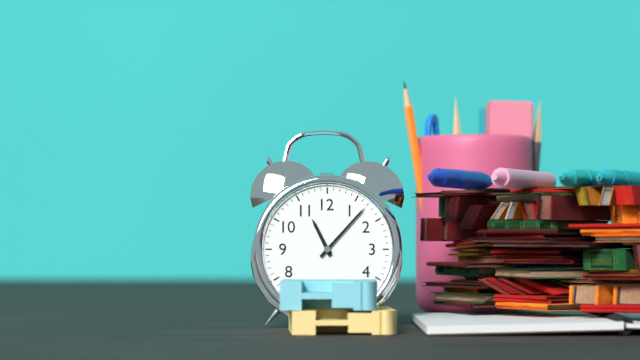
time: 11:07
